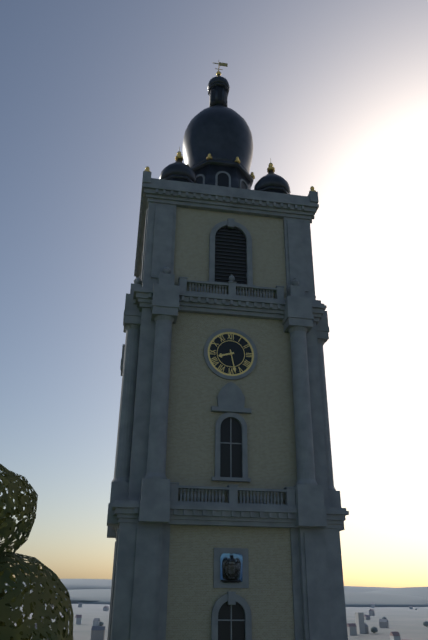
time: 8:28
